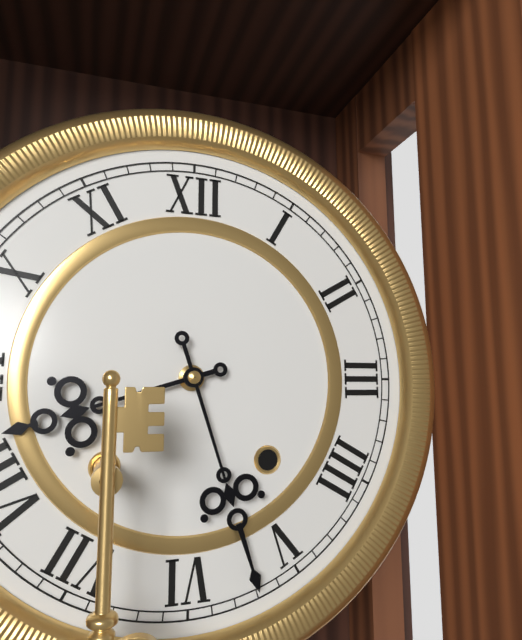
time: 8:27
